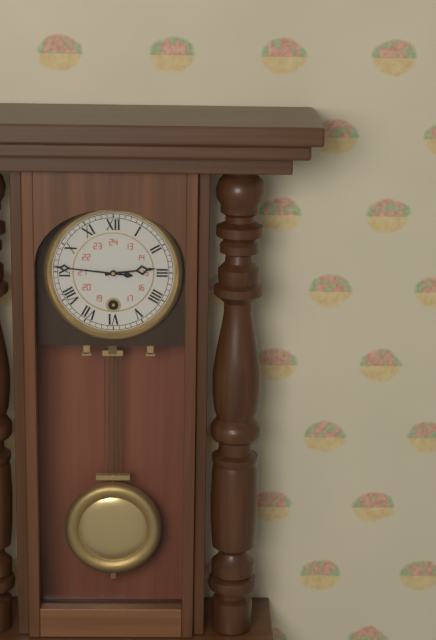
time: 2:46
